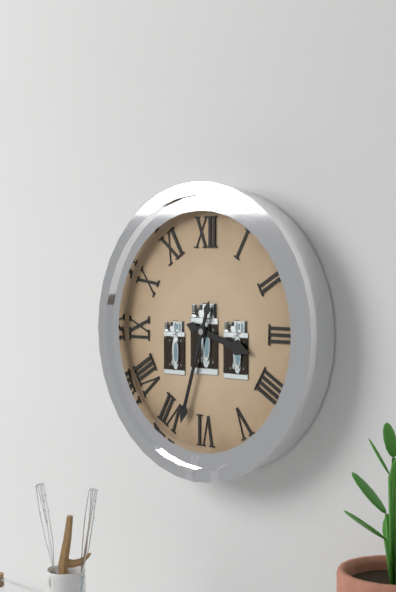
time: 3:33
